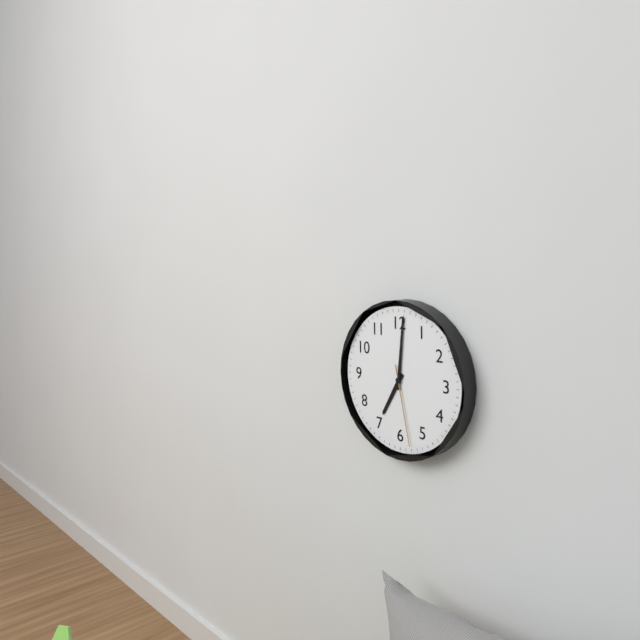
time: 7:01:28
